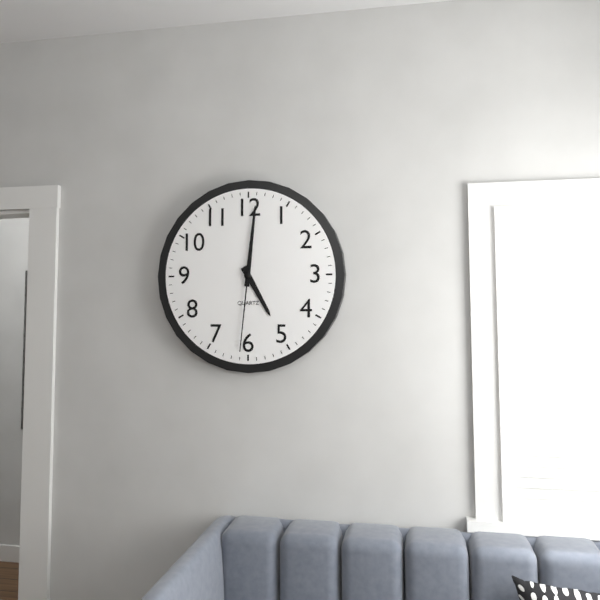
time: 5:01:31
